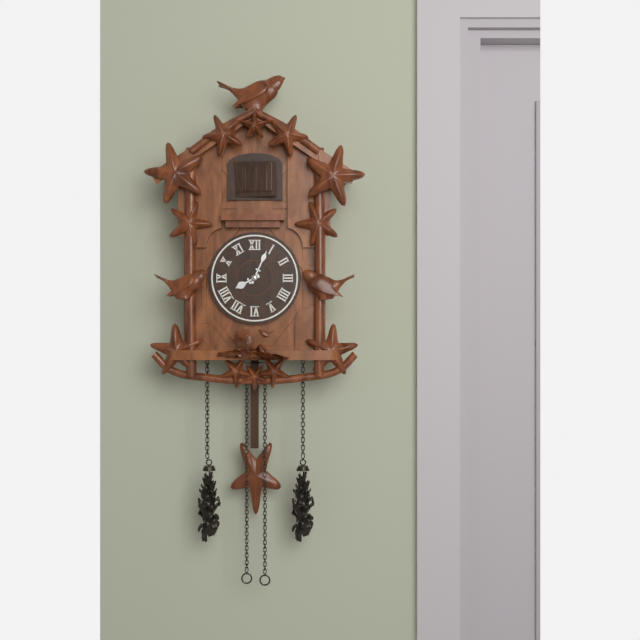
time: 8:04
